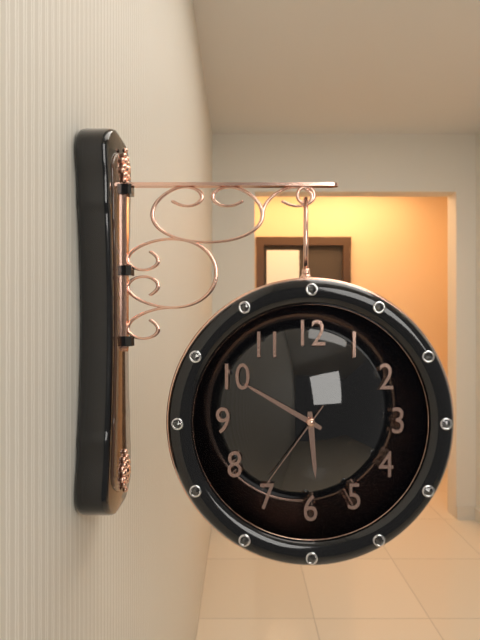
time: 5:50:36
